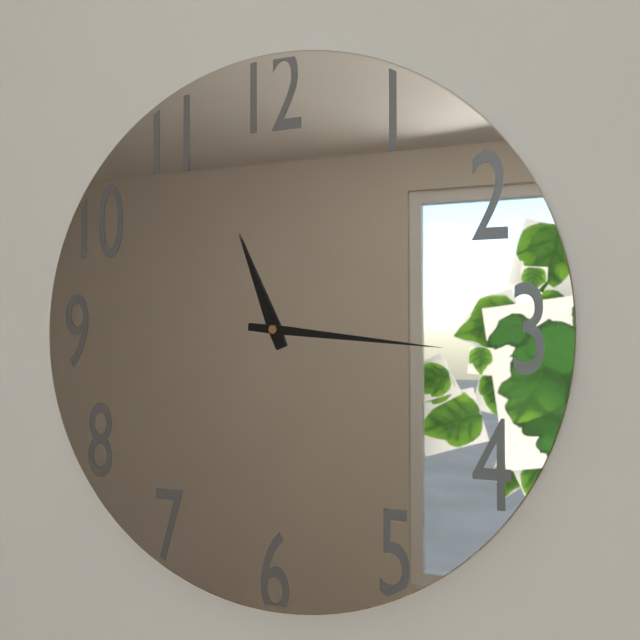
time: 11:16
